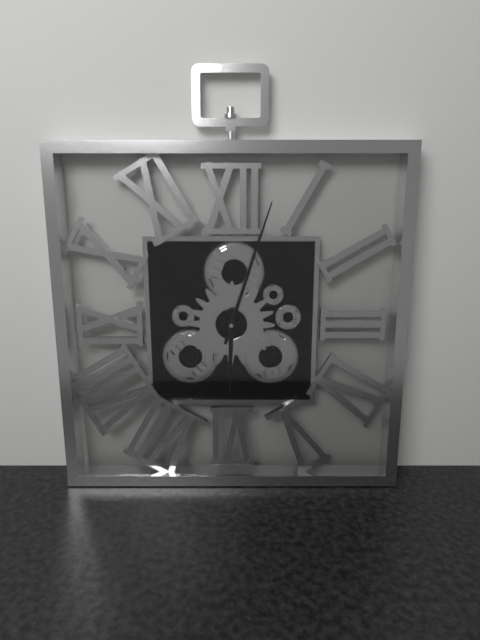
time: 6:03
